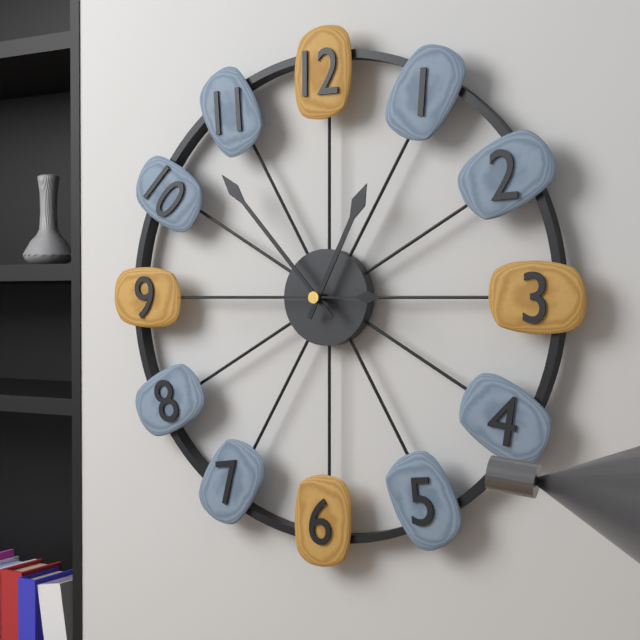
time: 12:53:45
